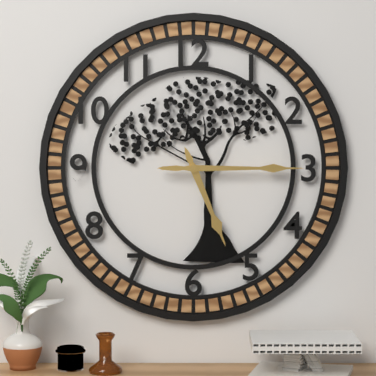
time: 5:15
